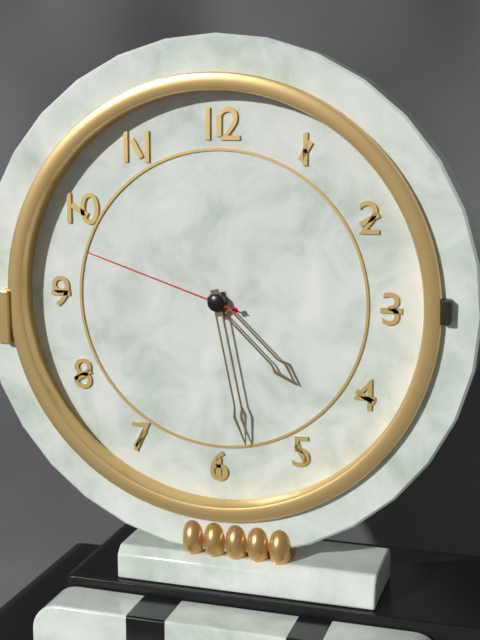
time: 4:28:48
